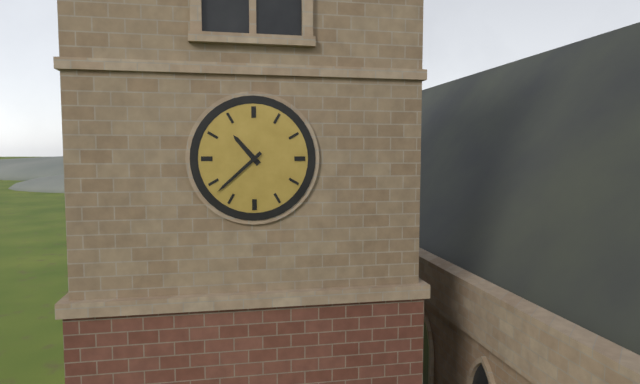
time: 10:38
